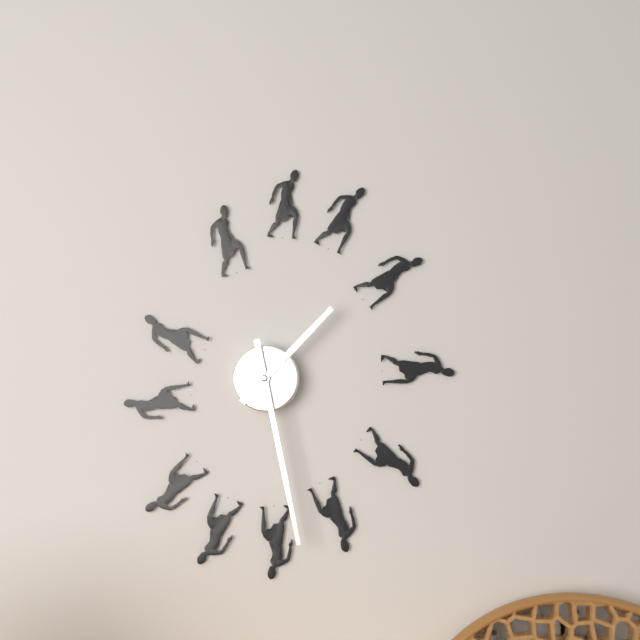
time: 1:28
